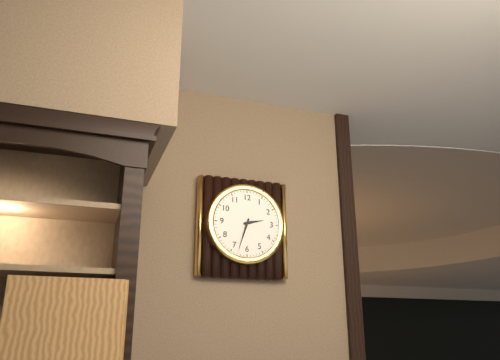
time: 2:33
